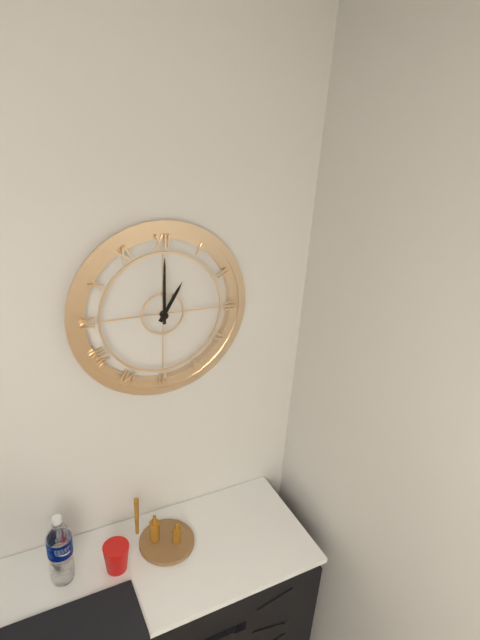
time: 1:00
